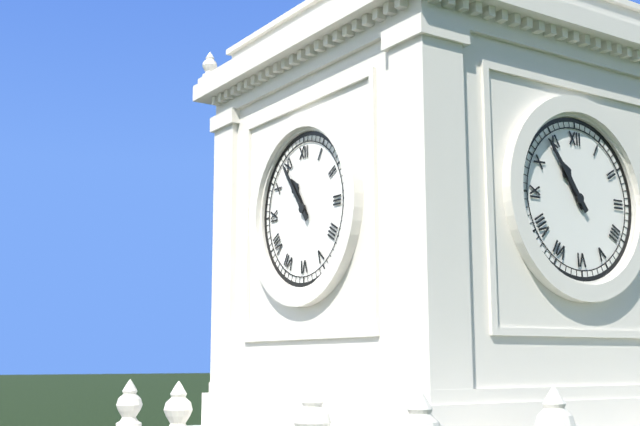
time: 10:54
